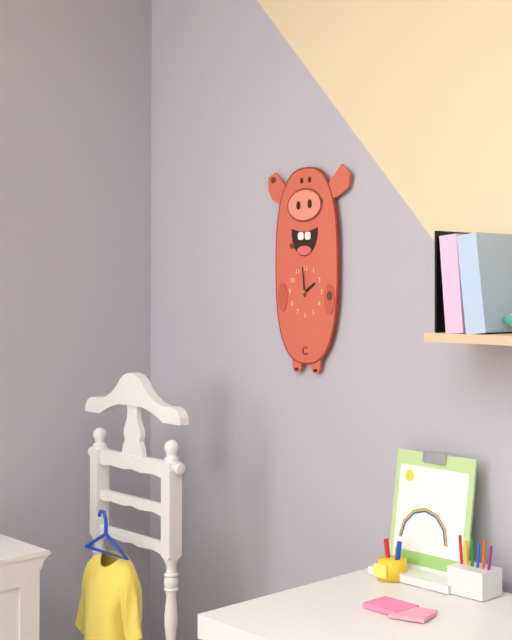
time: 1:59
